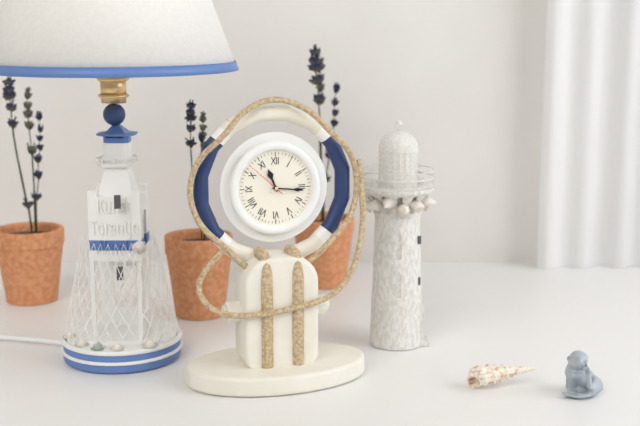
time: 11:16
